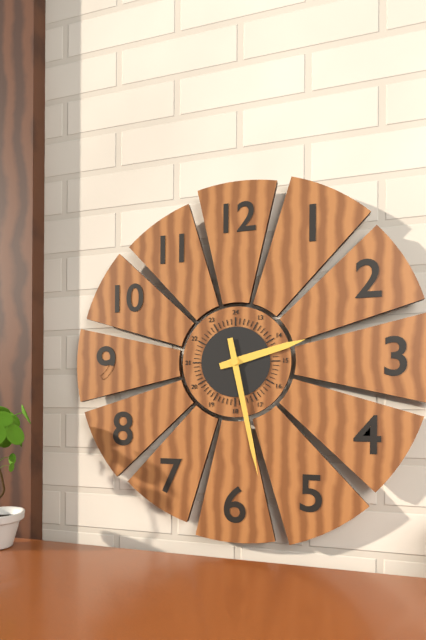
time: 2:28
